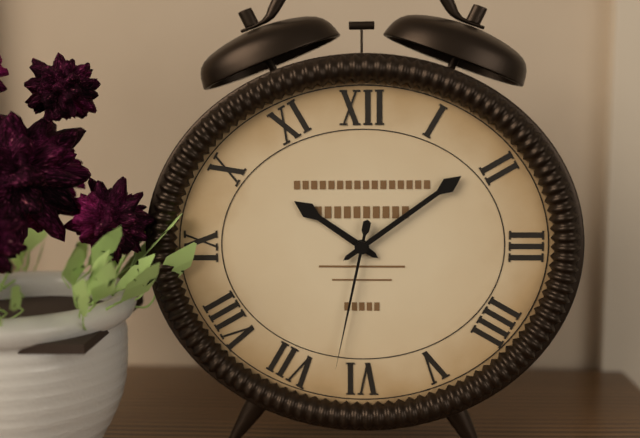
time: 10:09:32
